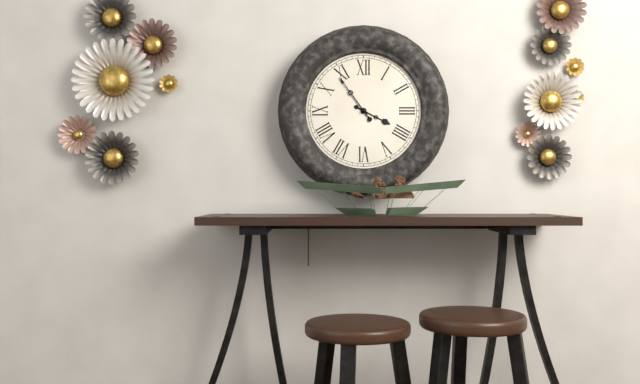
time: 3:54
